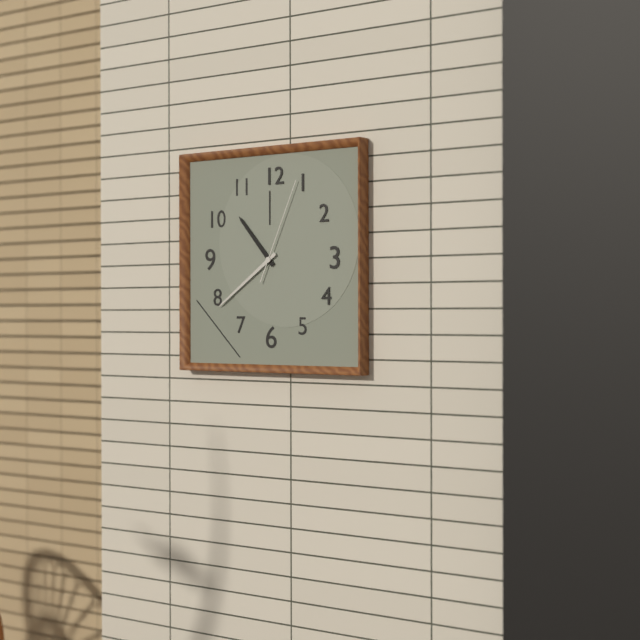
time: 10:39:04
